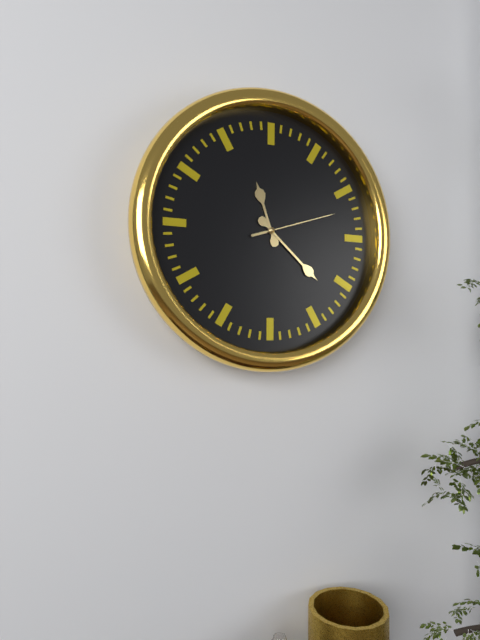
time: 11:22:12
